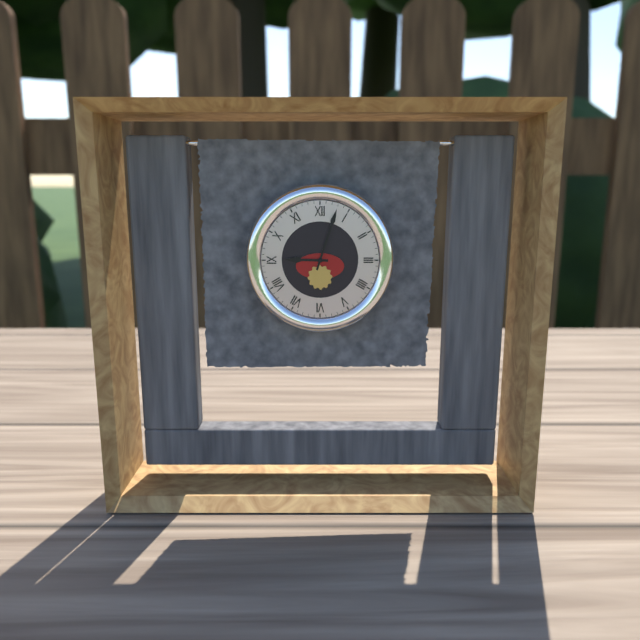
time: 9:03
